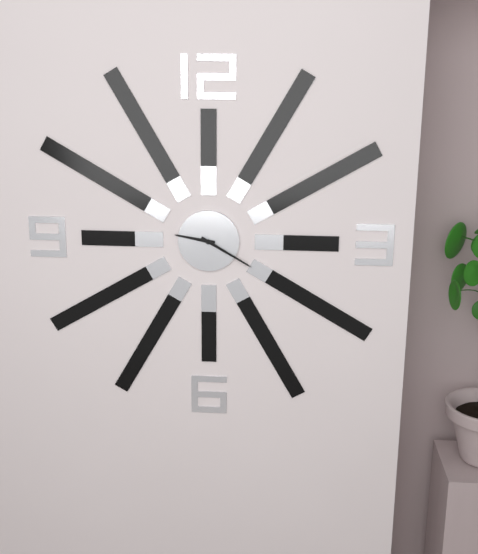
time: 9:20
